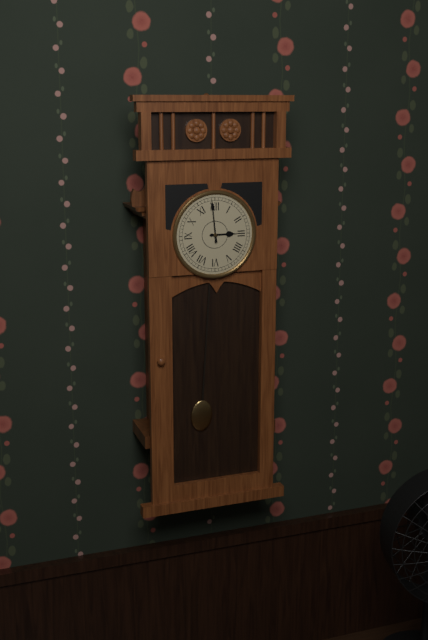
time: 2:59
